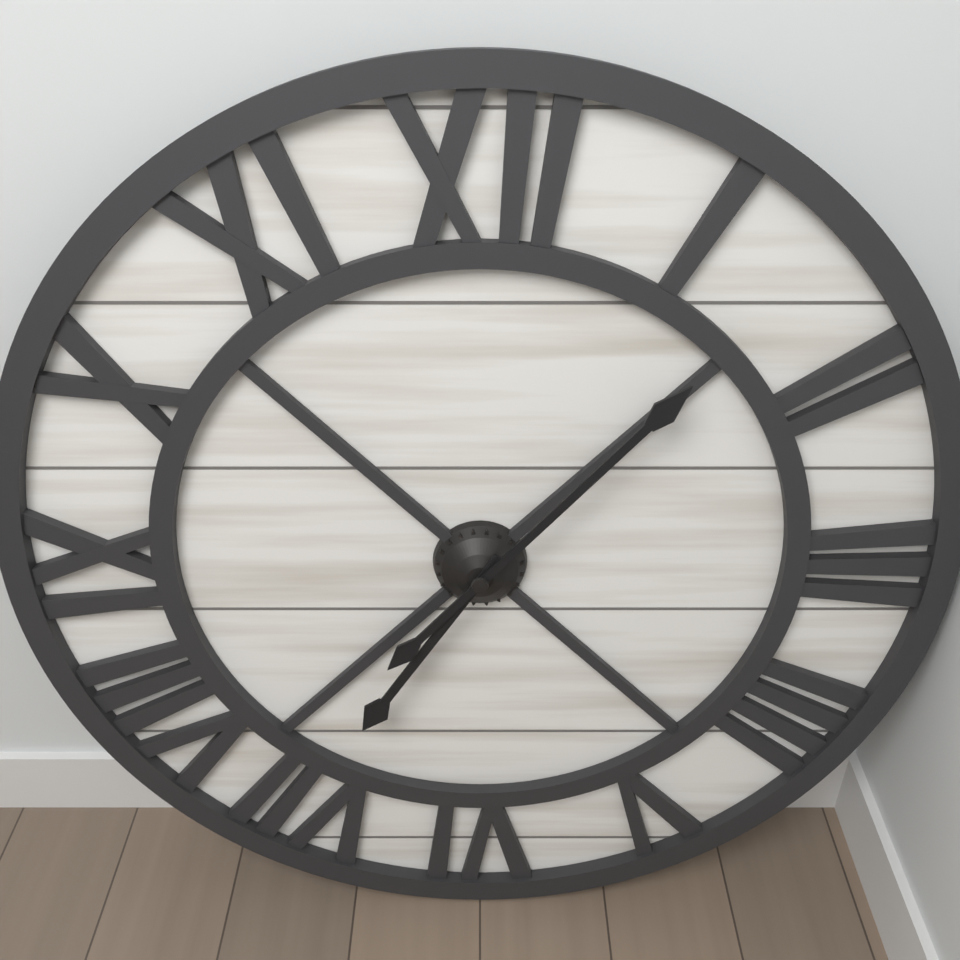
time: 7:07
